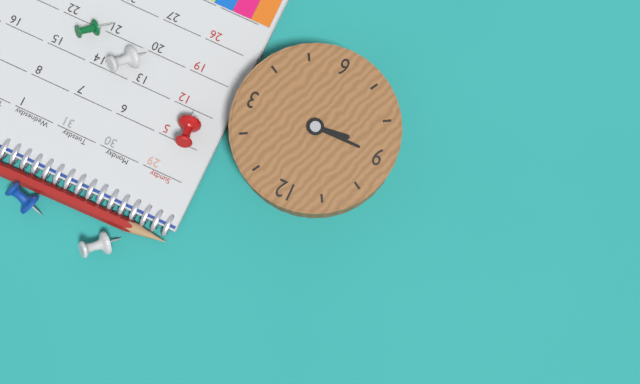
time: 8:45
